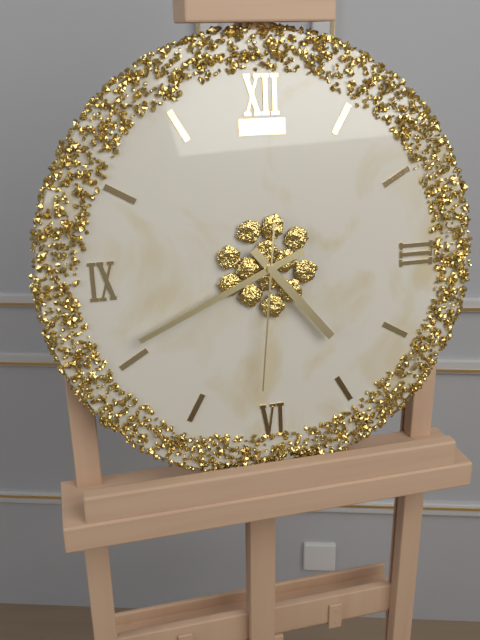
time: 4:41:31
